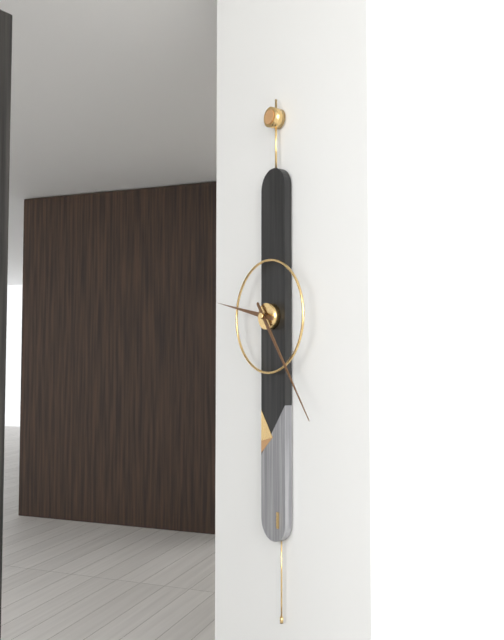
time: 9:24
